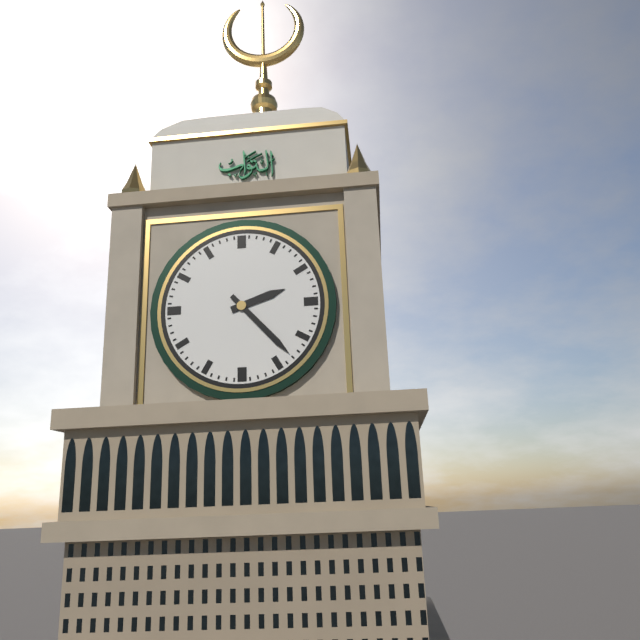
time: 2:23
